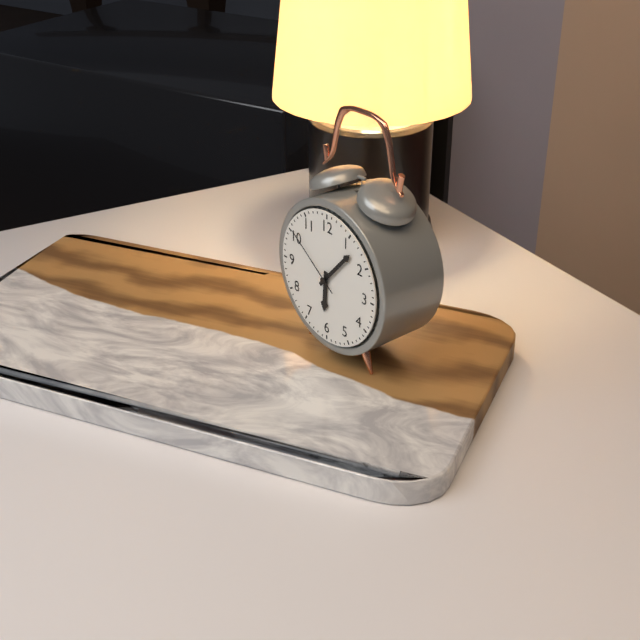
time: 6:07:51
